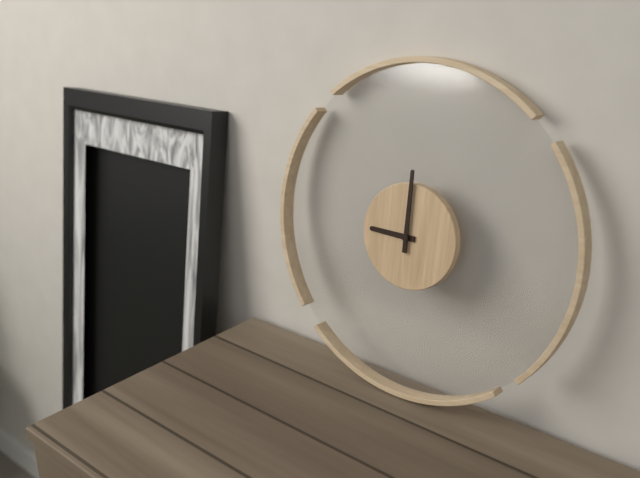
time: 9:00
